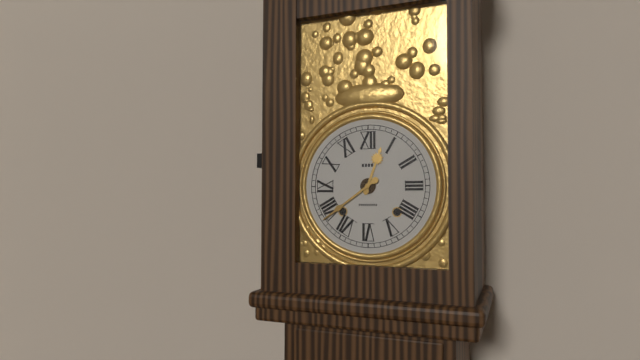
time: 12:39
